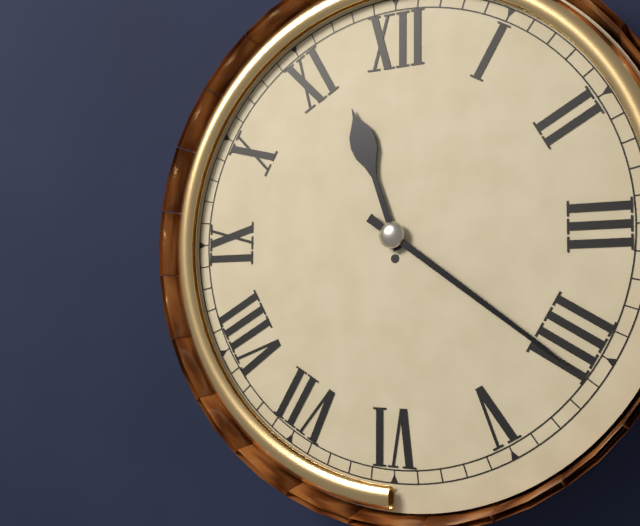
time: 11:21
